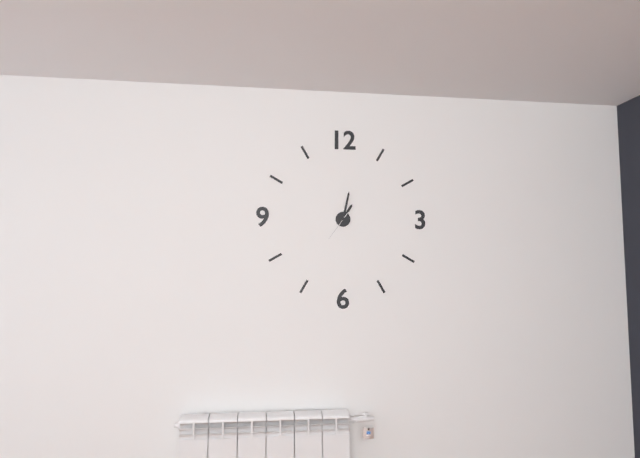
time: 1:02
